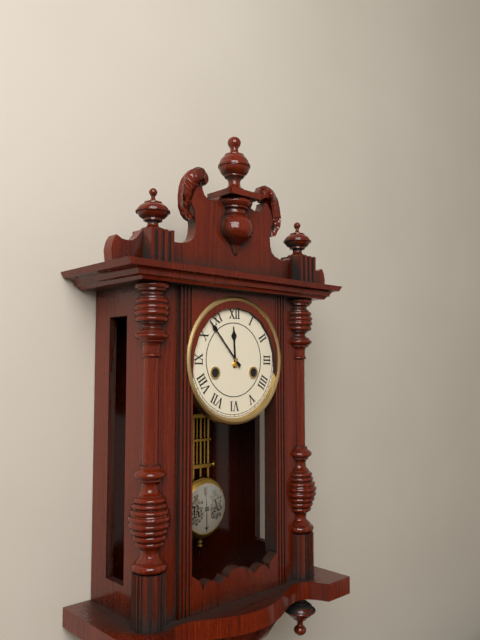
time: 11:53
